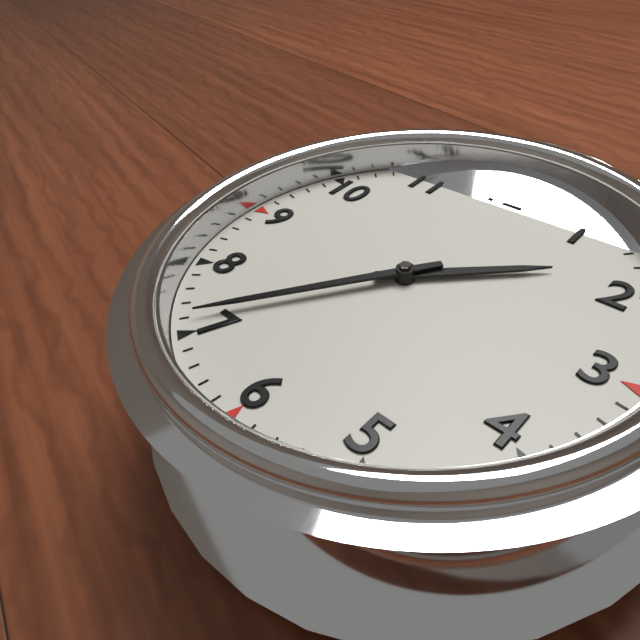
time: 1:36
